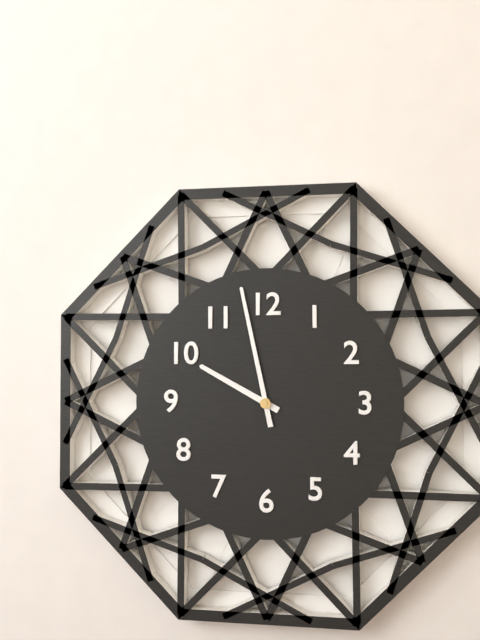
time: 9:58
